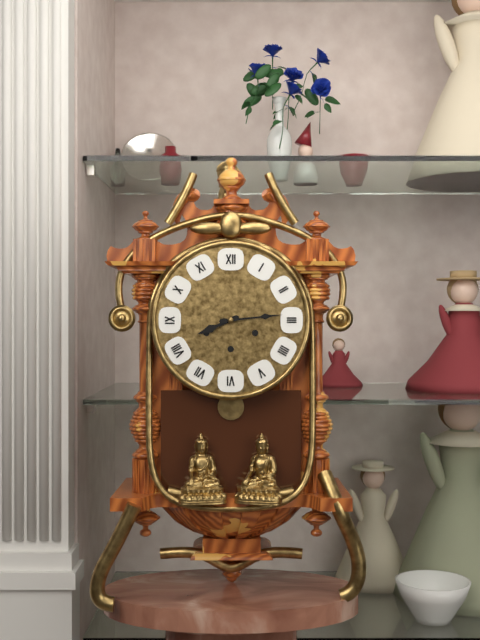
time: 8:14
